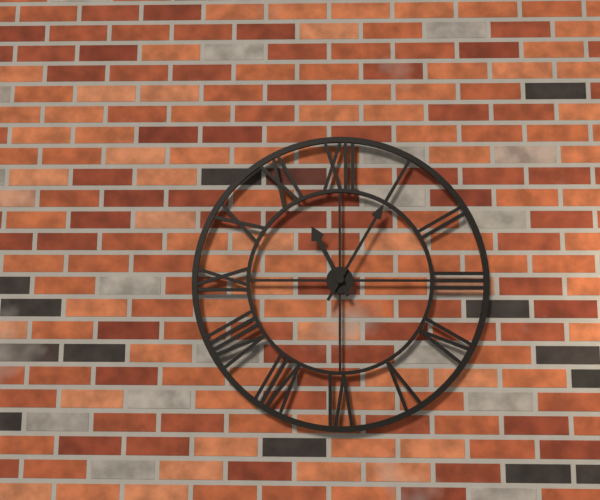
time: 11:05
